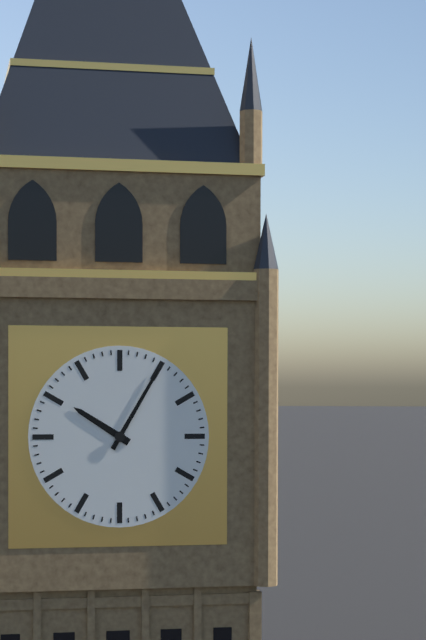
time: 10:05
